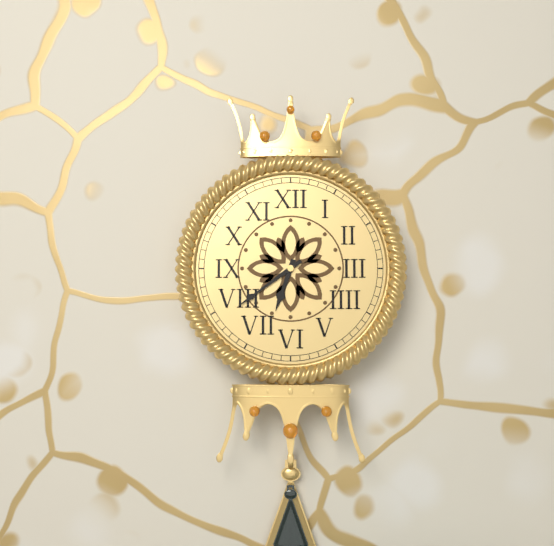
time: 6:39
